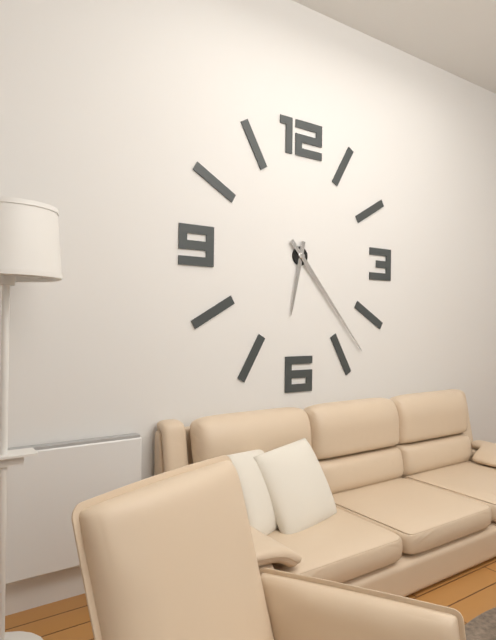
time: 6:23
